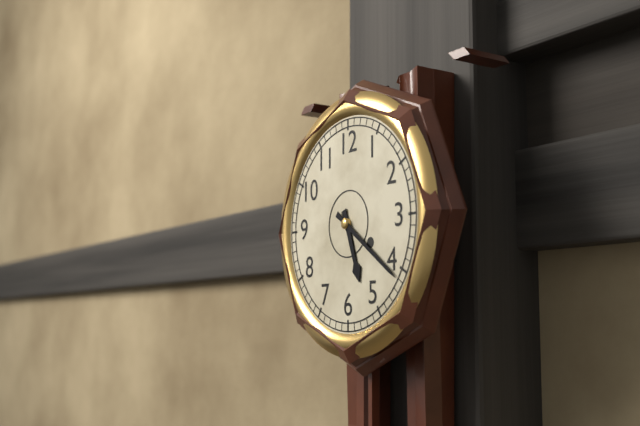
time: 5:21
